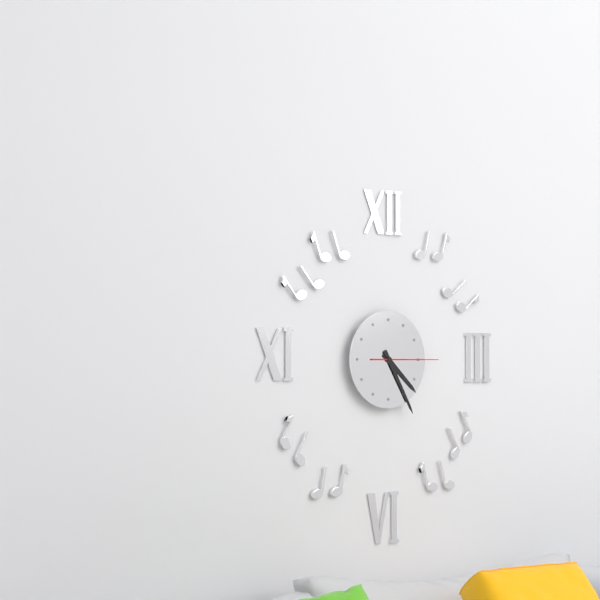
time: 4:25:15
